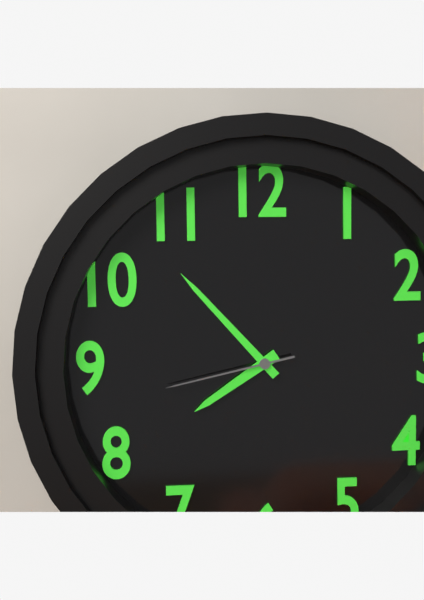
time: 7:53:43
